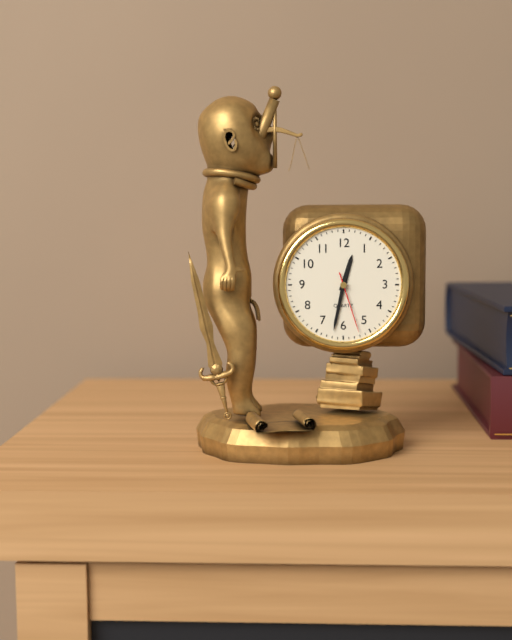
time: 12:32:27
